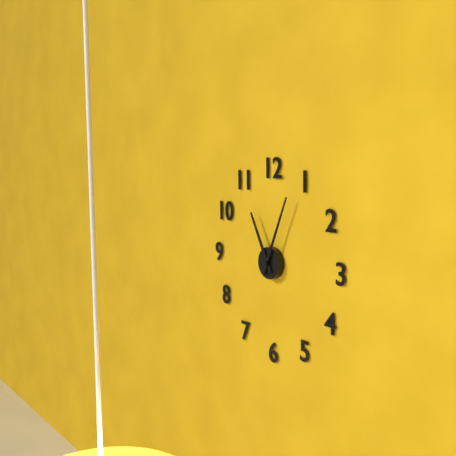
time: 11:04
